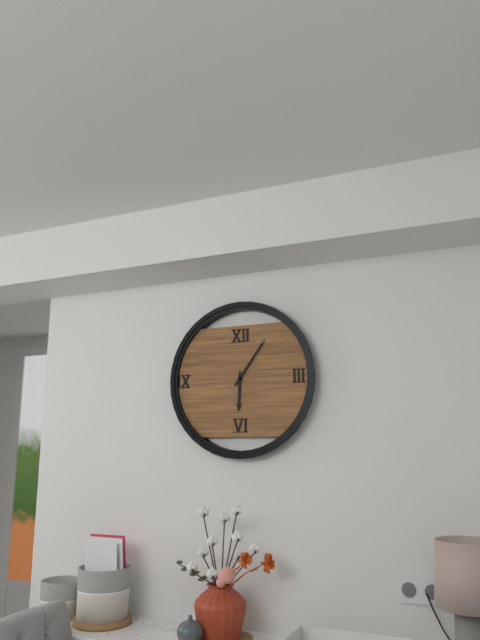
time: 6:06
